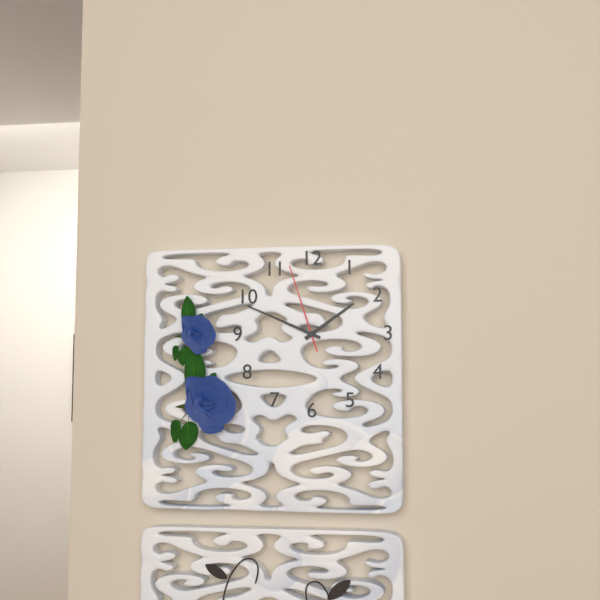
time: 1:49:57
